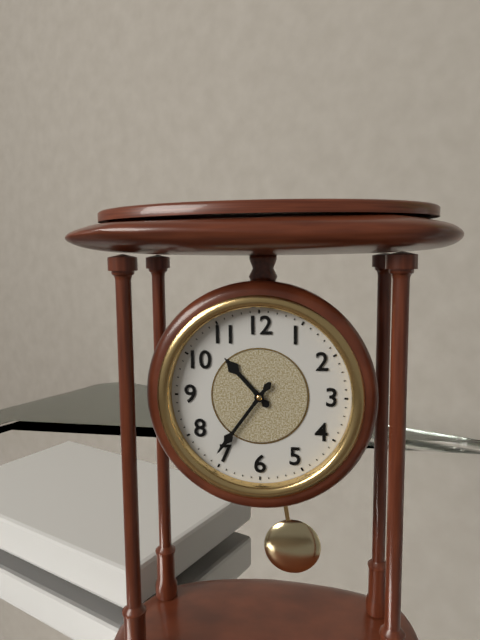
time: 10:36
